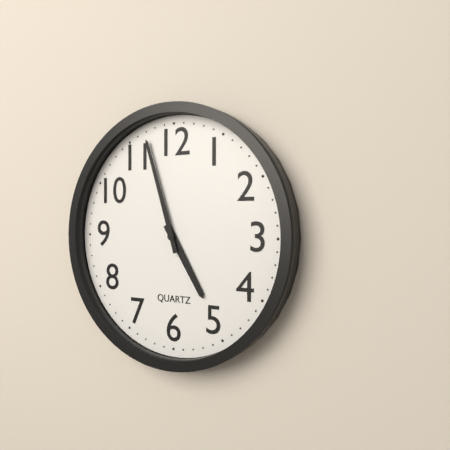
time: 4:57
